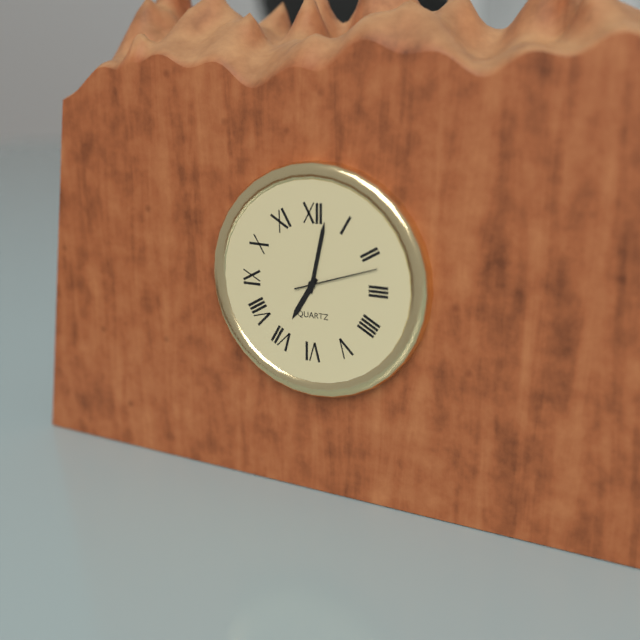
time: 7:02:12
